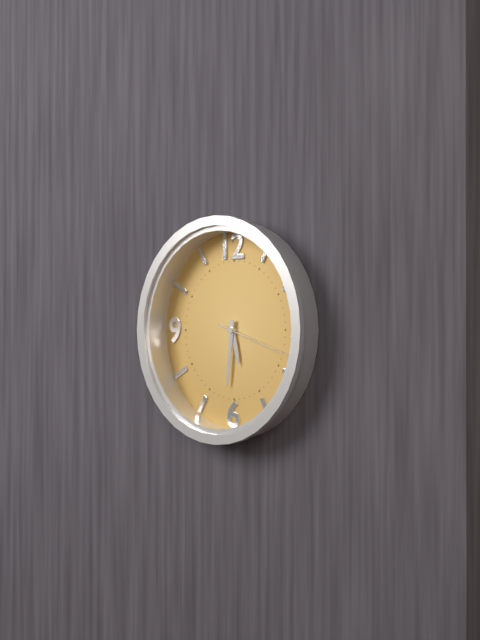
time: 5:31:18
